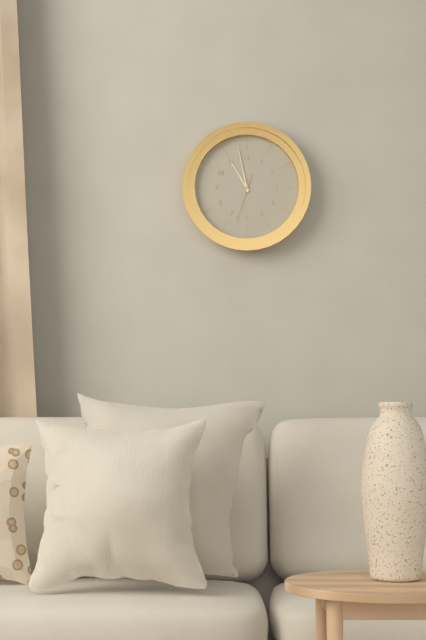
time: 10:58
